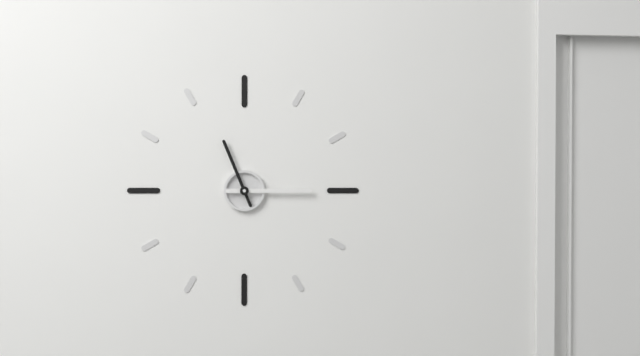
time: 11:15
